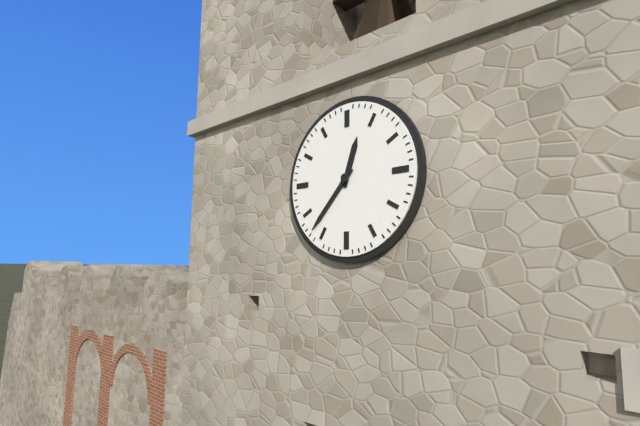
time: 12:37
